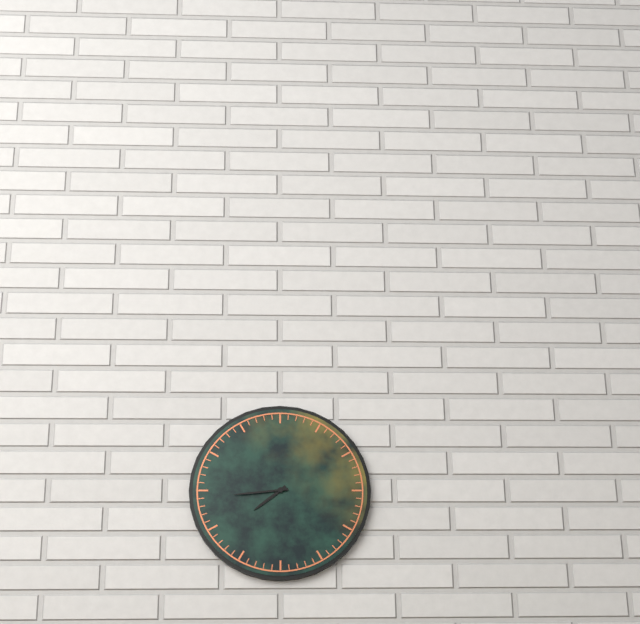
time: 7:44
